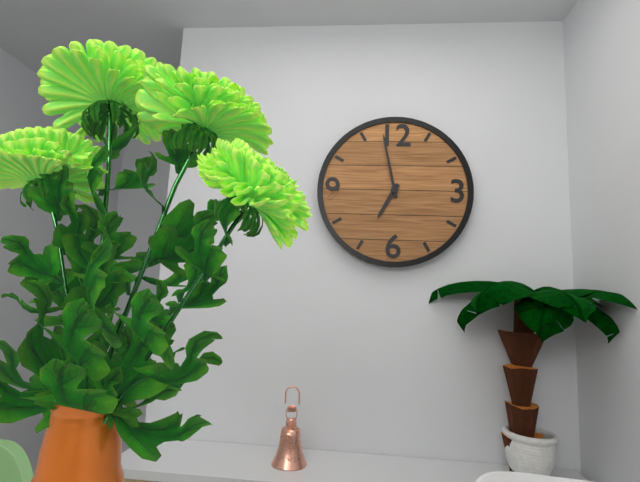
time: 6:58
